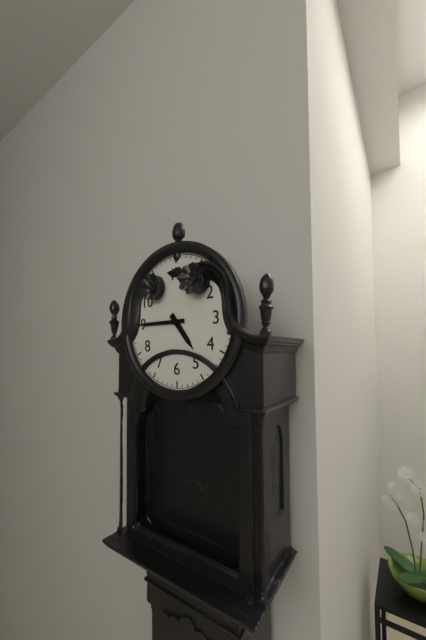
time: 4:45
